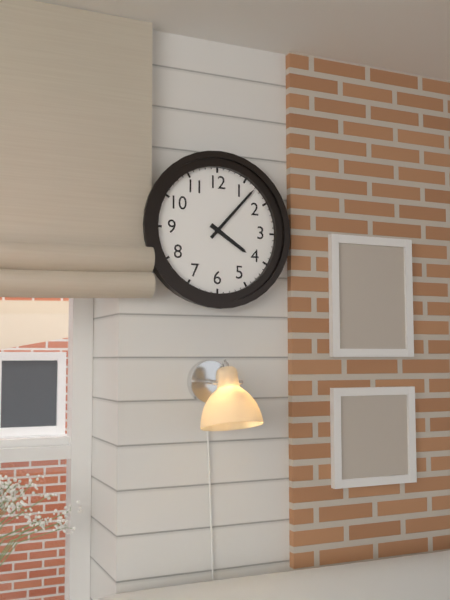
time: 4:07
